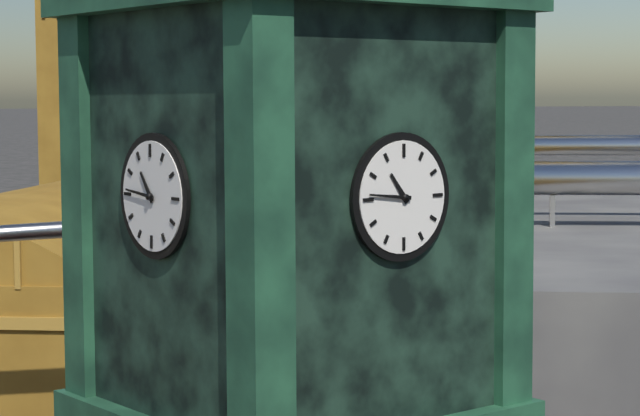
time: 10:46
